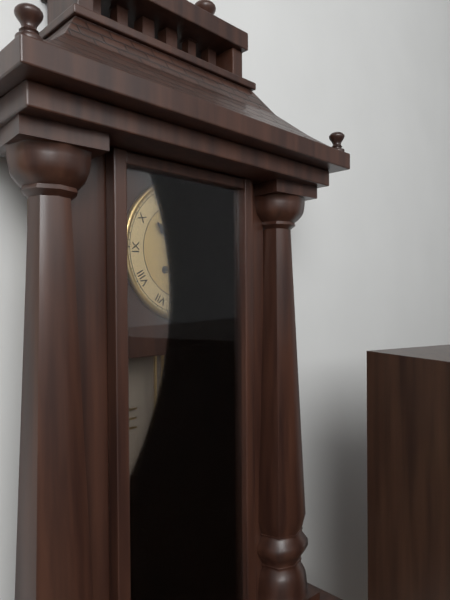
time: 10:16
